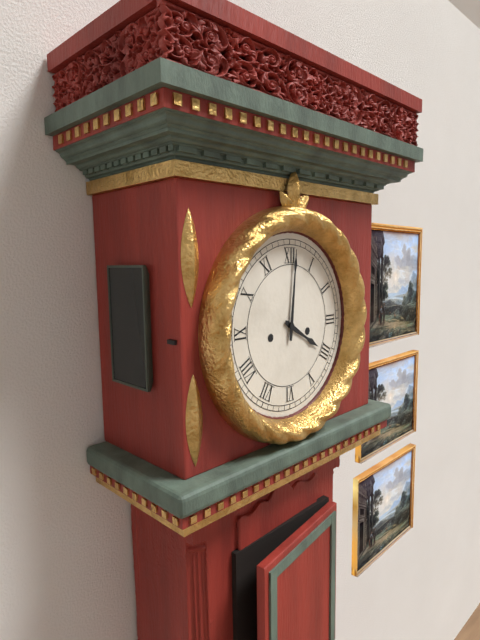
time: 4:01
